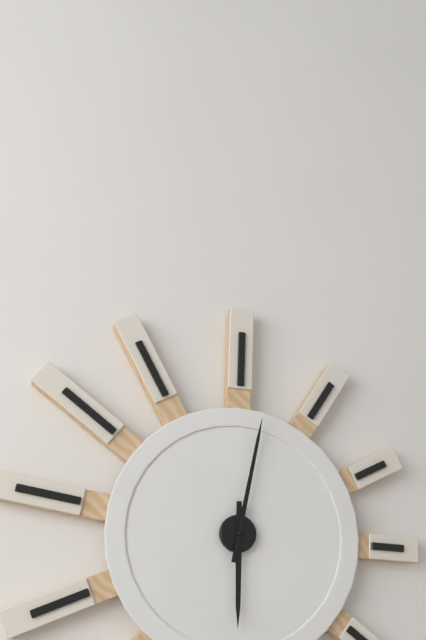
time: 6:02
